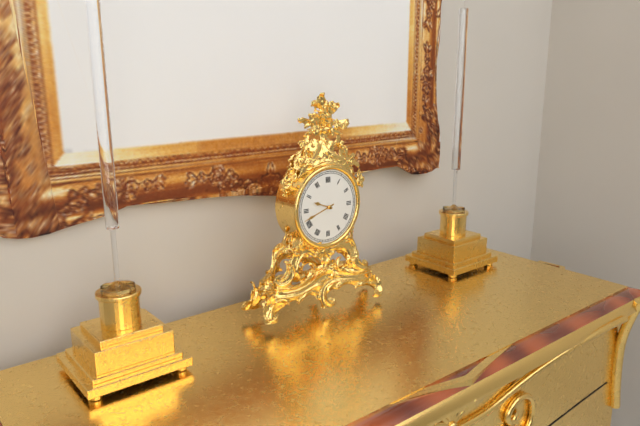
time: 9:42
